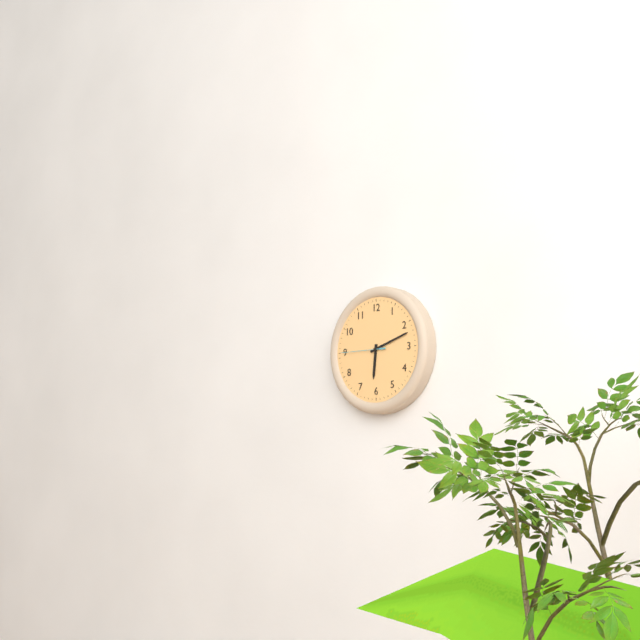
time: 6:12:45
